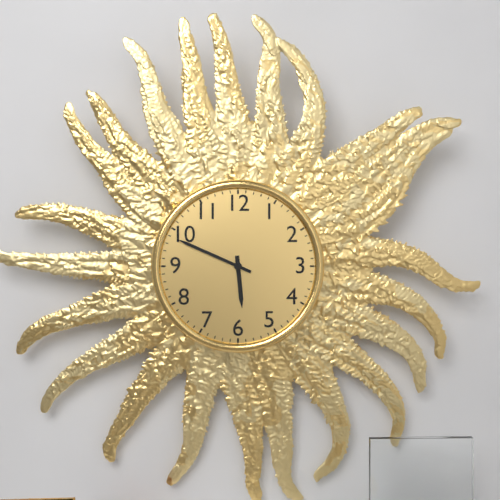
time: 5:49
